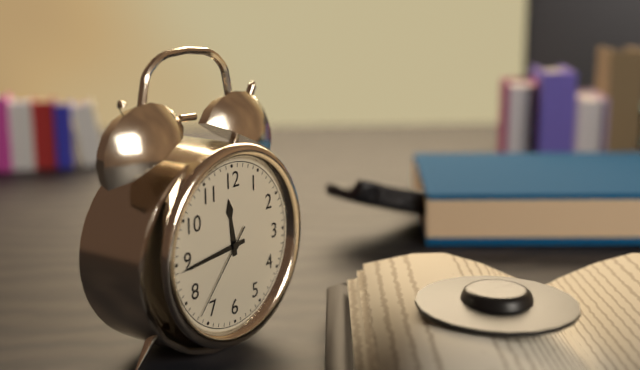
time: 11:44:37
